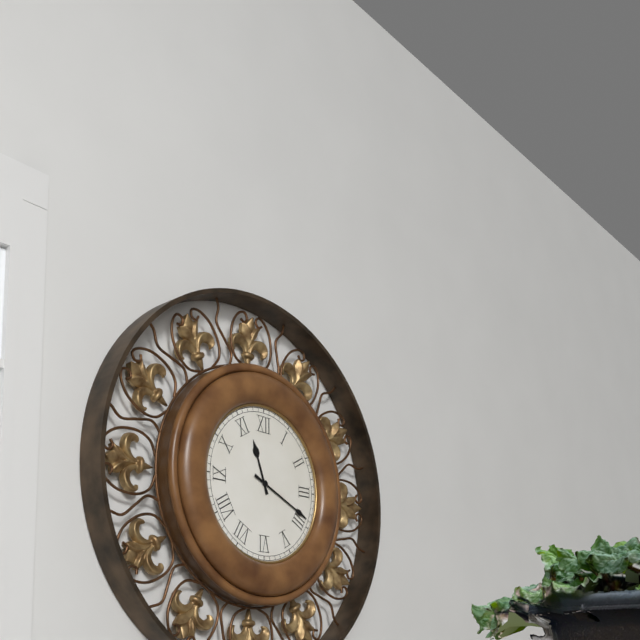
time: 11:19
